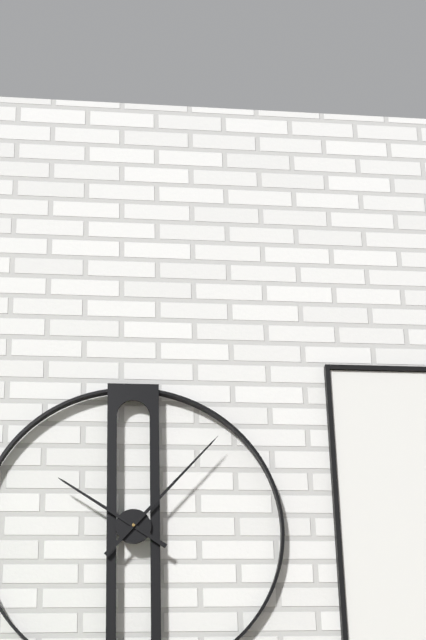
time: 10:07
